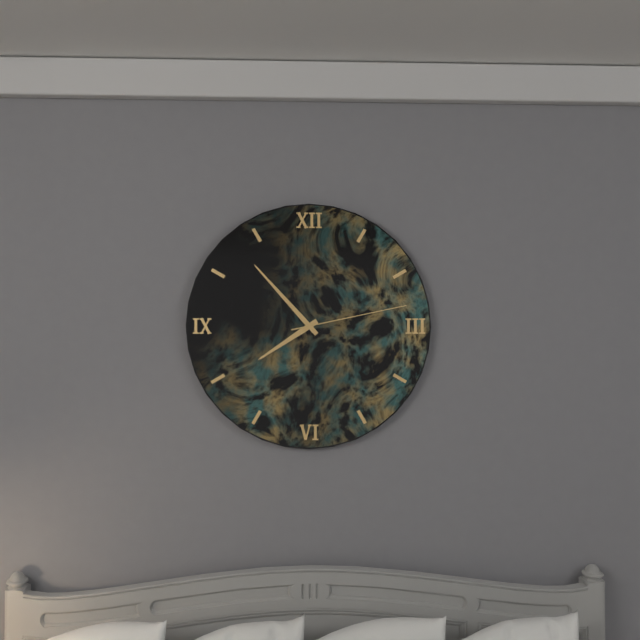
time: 7:53:13
